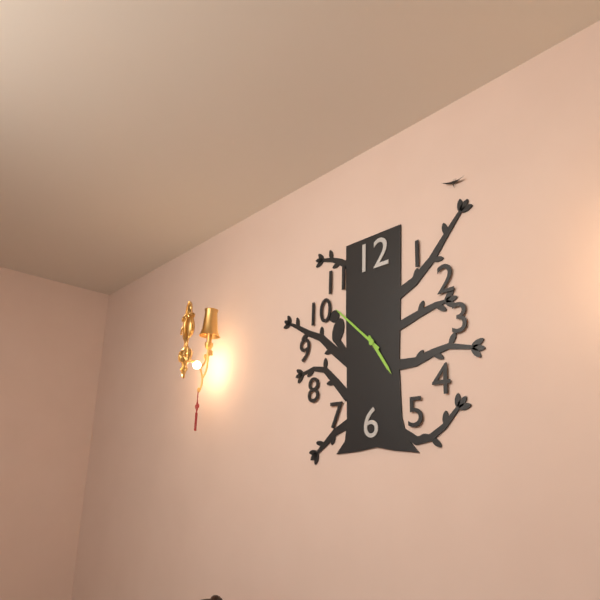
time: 4:52
